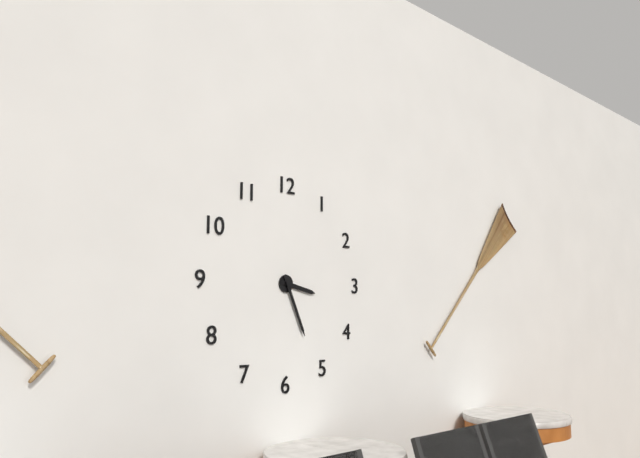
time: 3:26
